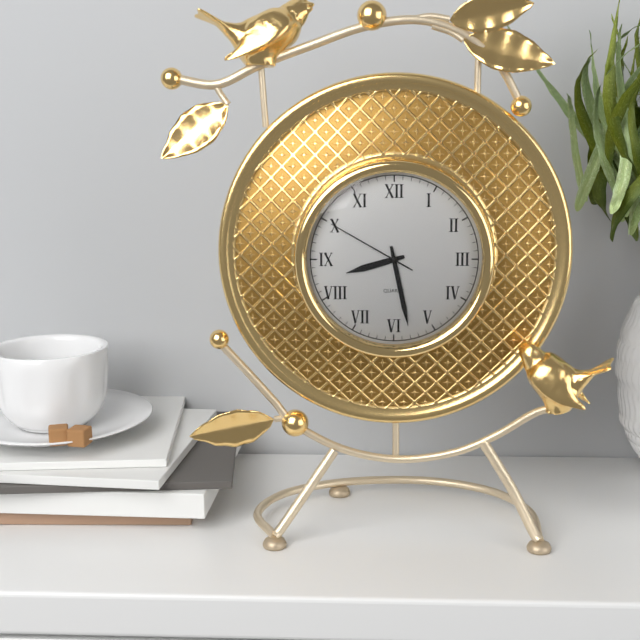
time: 8:28:50
